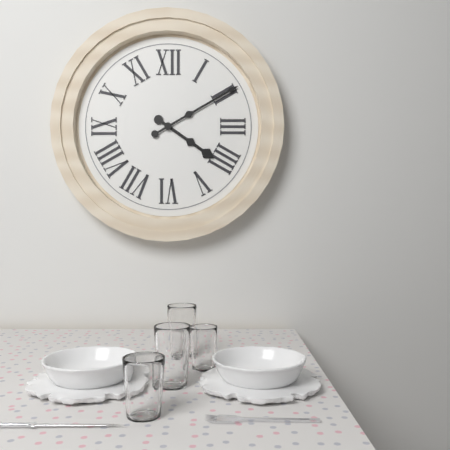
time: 4:10
